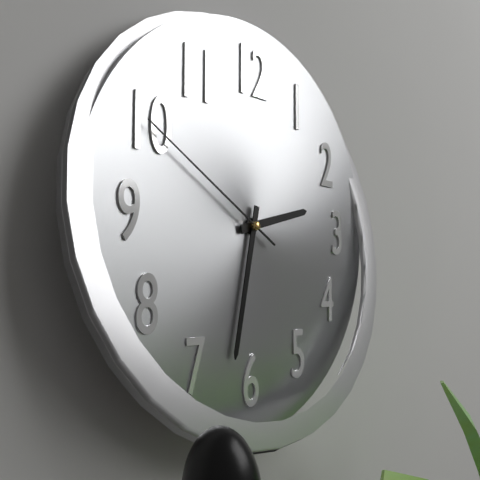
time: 2:32:50
